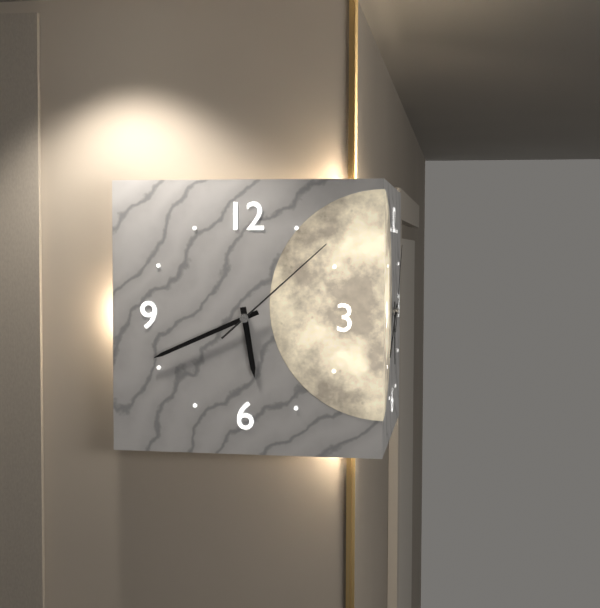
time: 5:41:08
